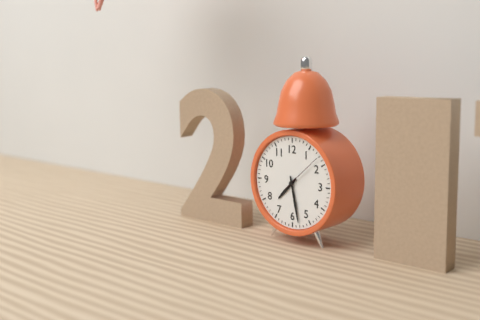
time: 7:28
